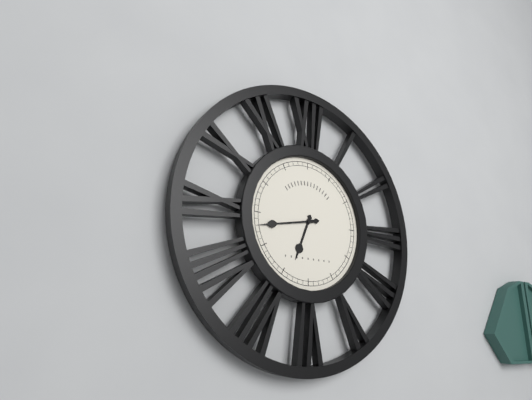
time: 6:43
